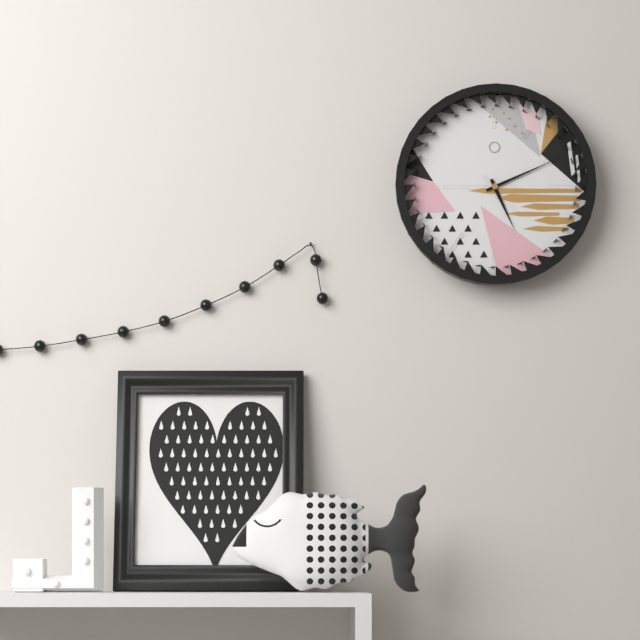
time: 5:11
